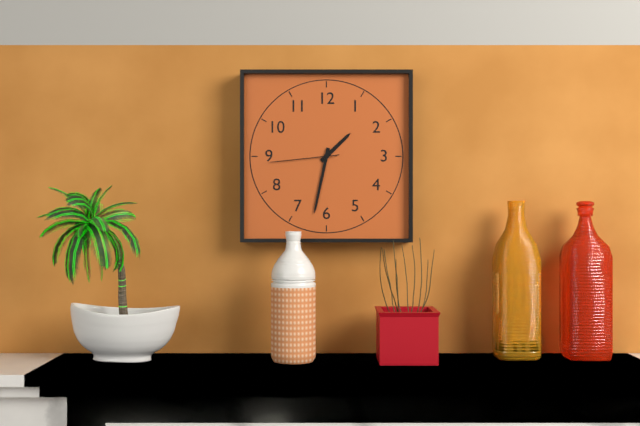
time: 1:32:44
